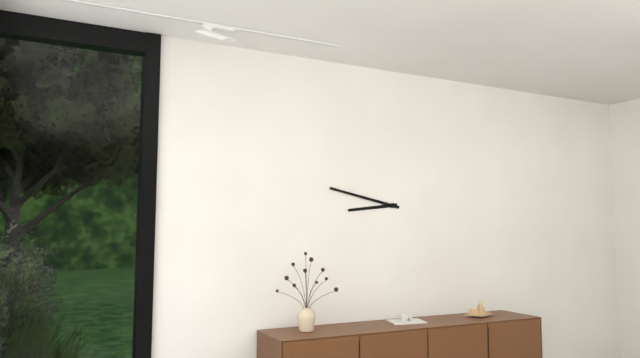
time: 8:47
